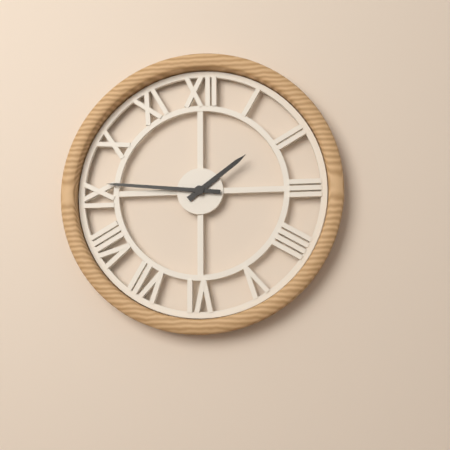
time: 1:46
